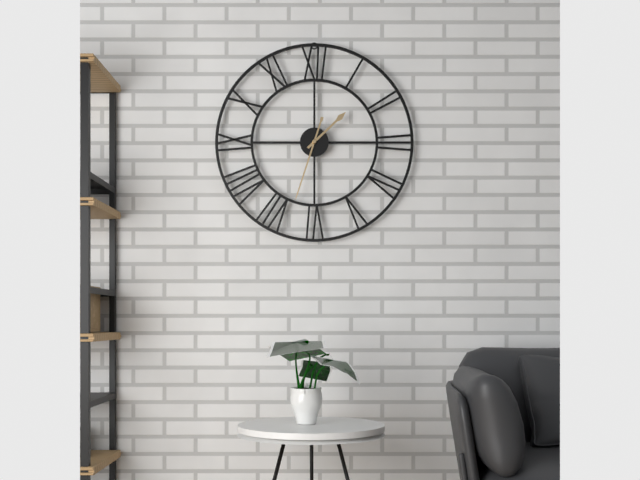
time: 1:33
